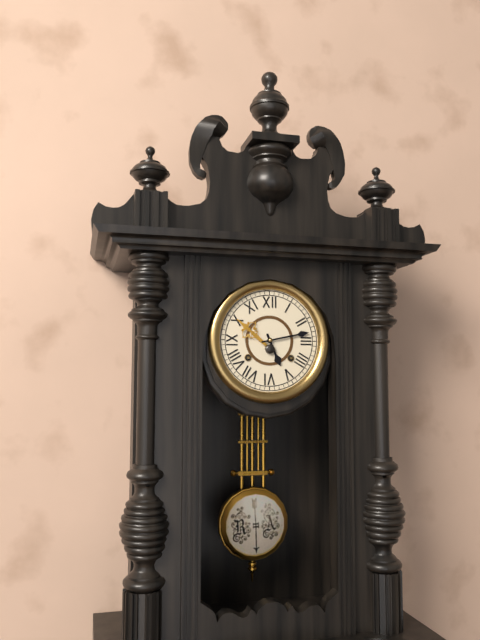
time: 5:13
